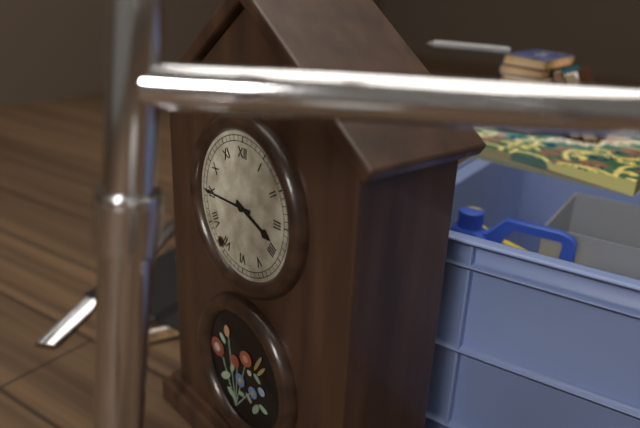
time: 3:45
